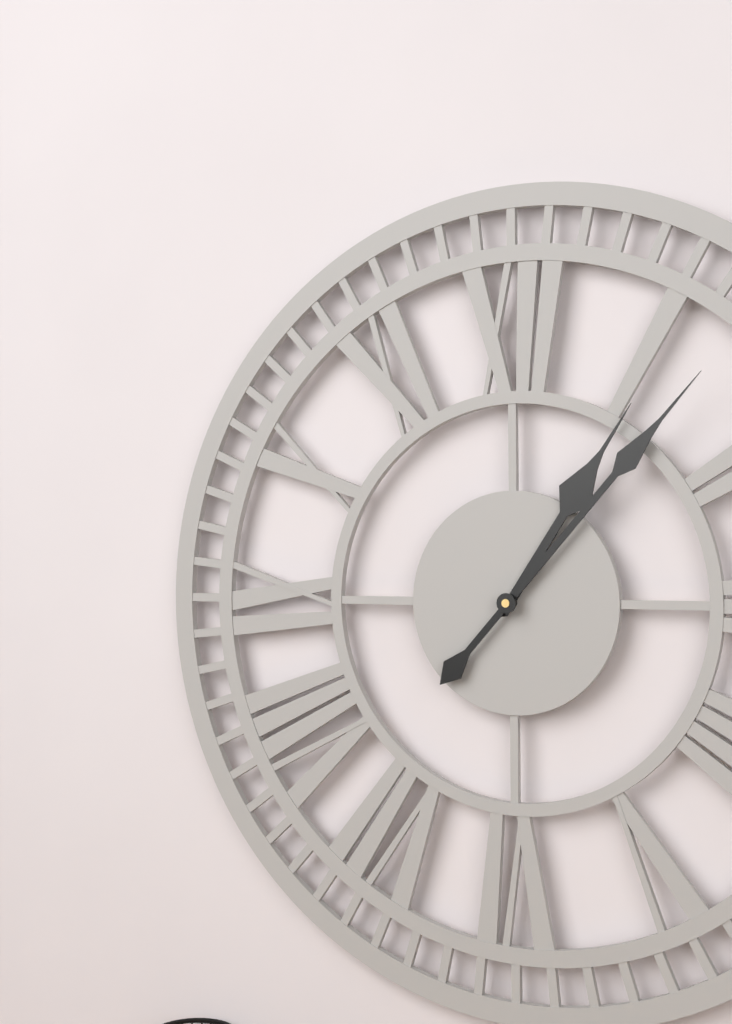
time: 1:07
